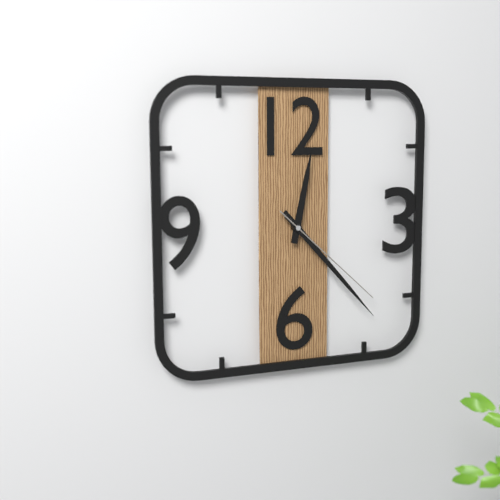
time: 12:23:22
